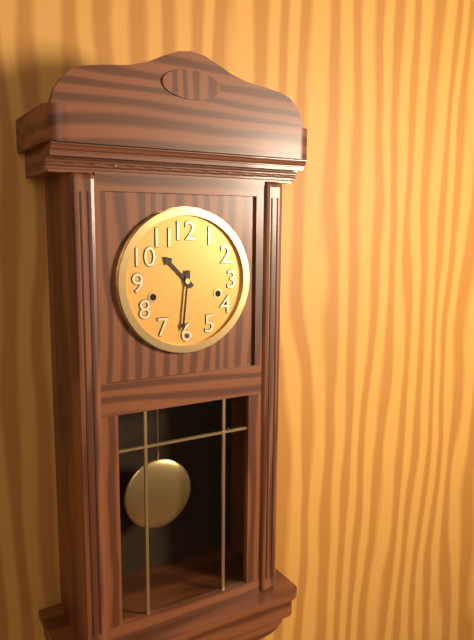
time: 10:31
